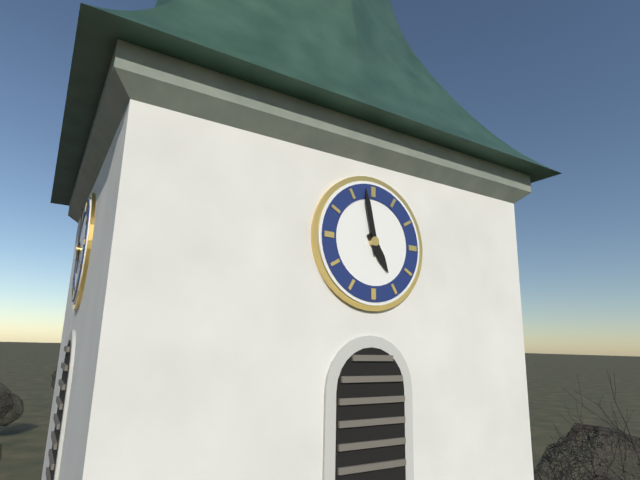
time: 4:58
